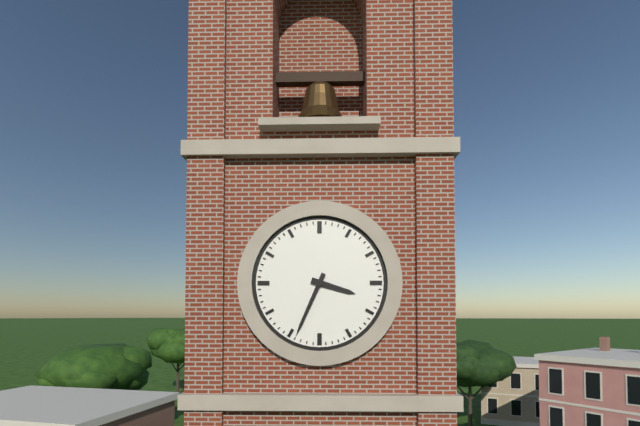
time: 3:34
